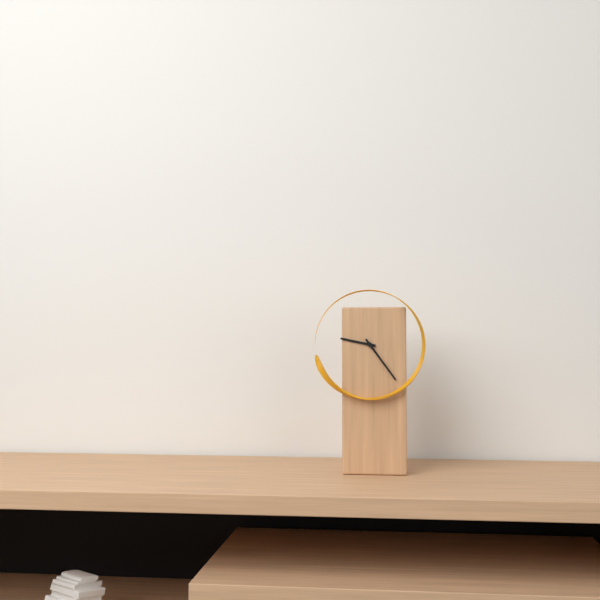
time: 9:24
